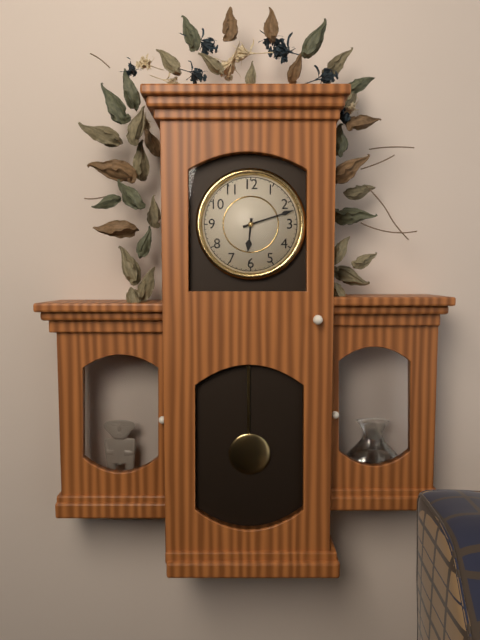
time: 6:12
